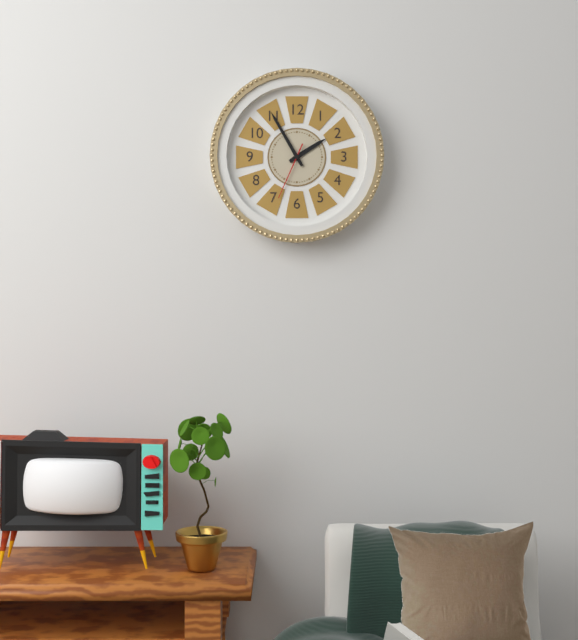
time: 1:55:34
